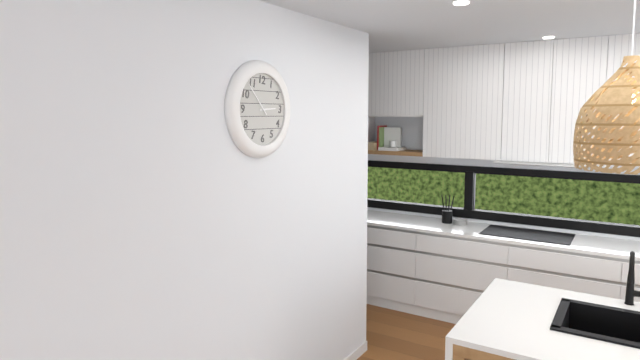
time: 2:53
